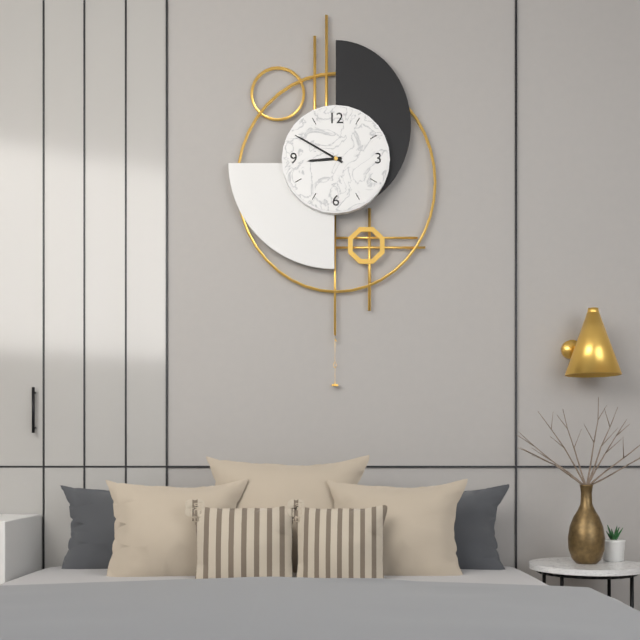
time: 8:50
